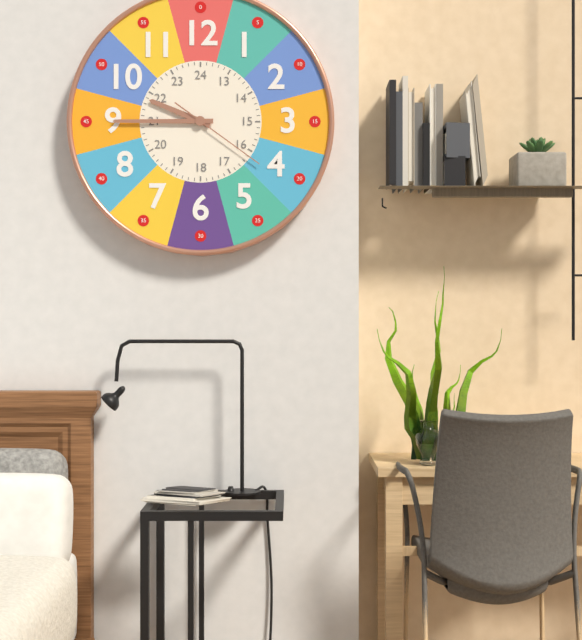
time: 9:45:21
